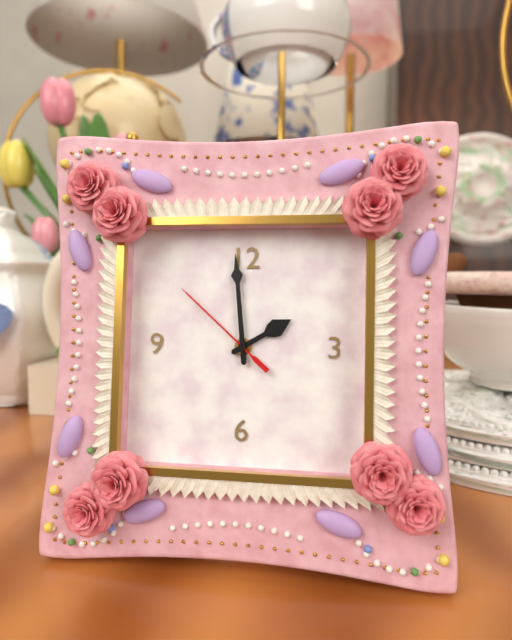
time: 1:59:52
